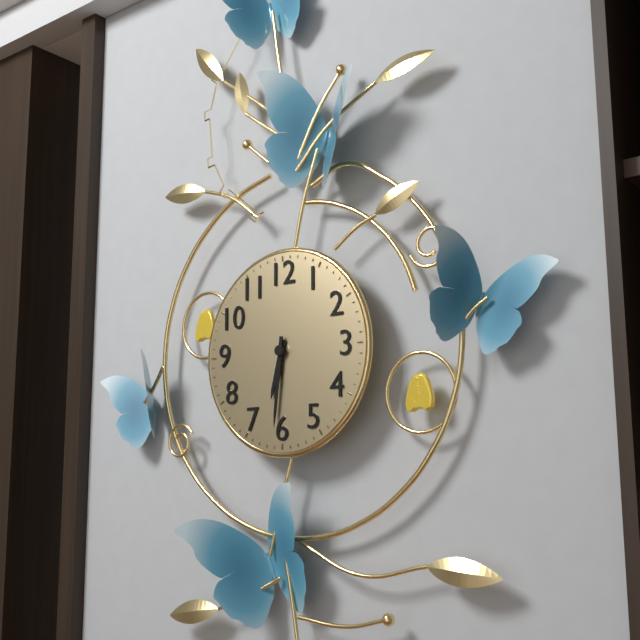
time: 6:31
